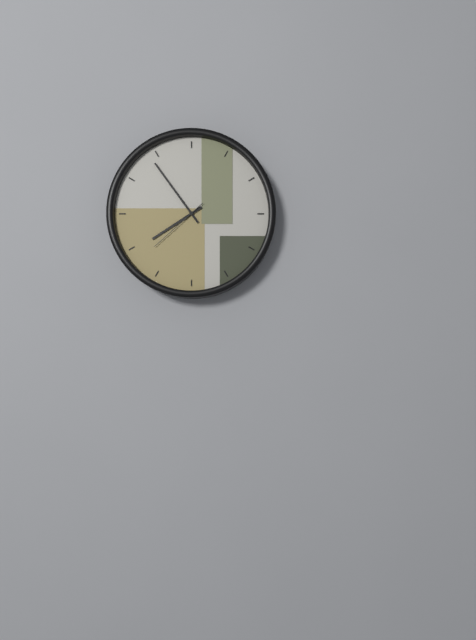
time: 7:54:38
